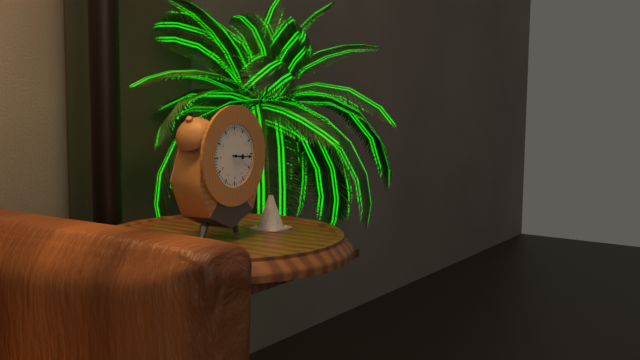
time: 3:16
